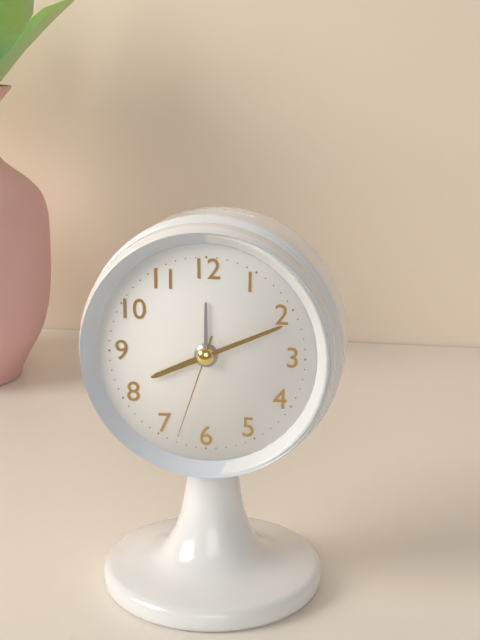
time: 8:11:33
